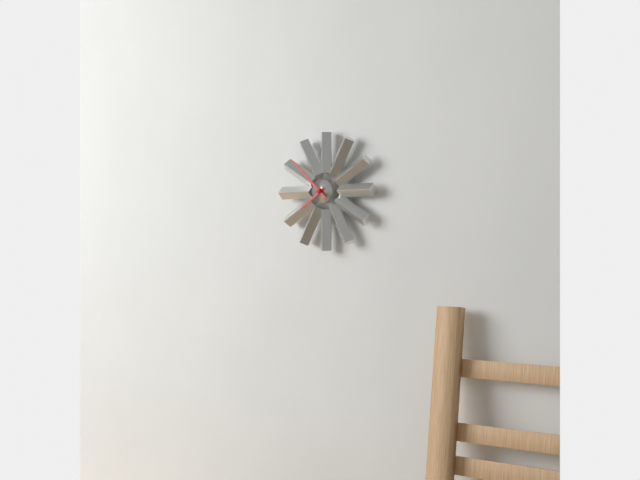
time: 7:52
